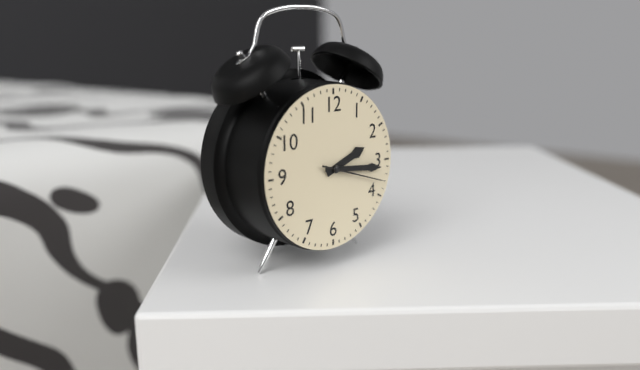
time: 2:16:18
